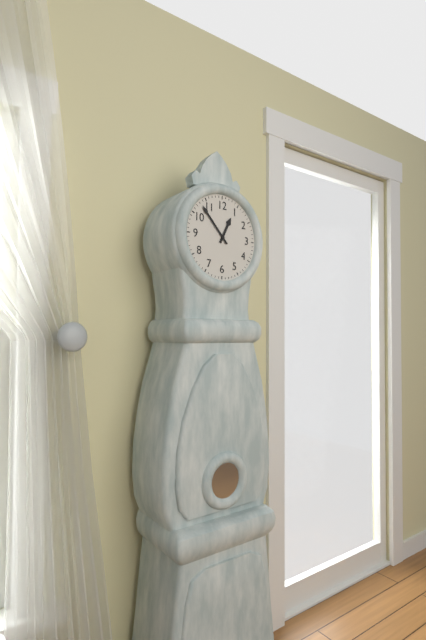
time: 12:53
